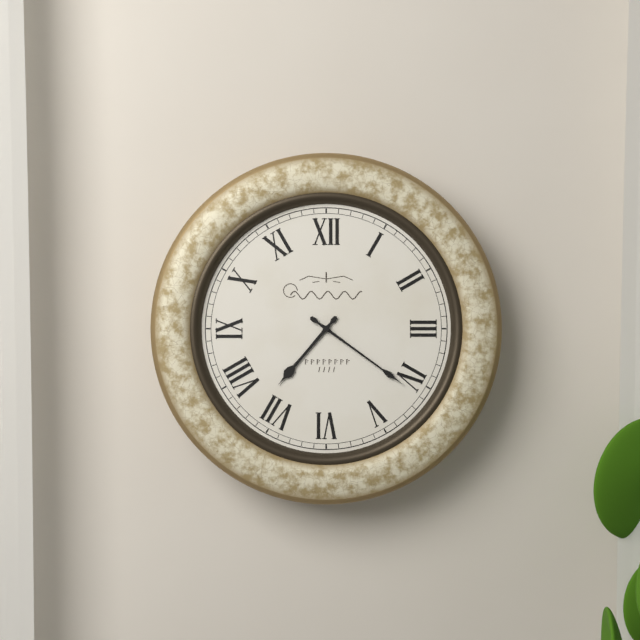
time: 7:21
